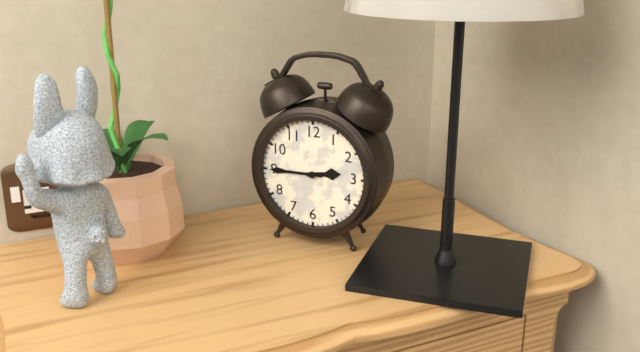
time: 2:45
